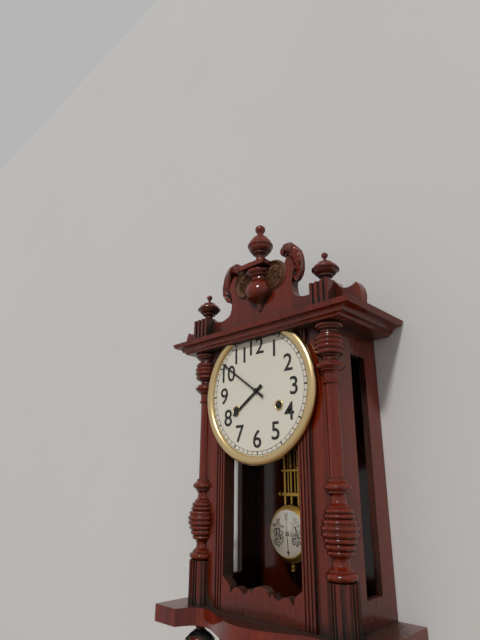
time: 7:51
